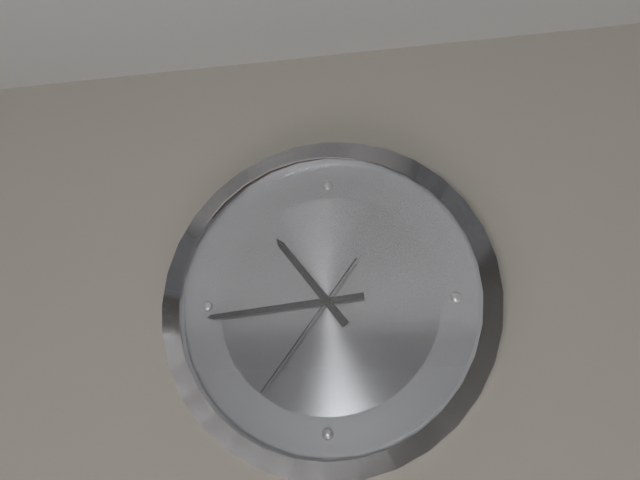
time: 10:44:36
